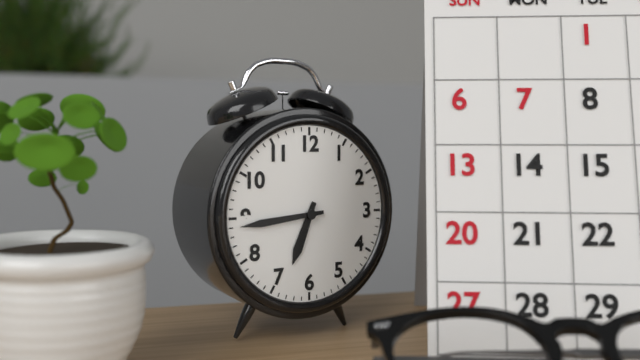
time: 6:44
